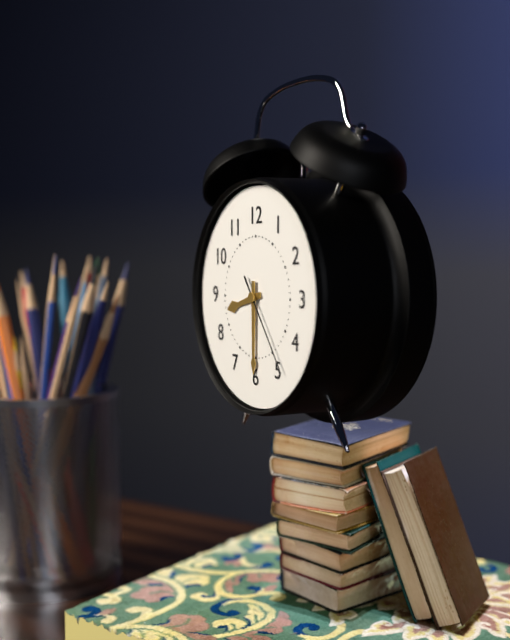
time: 8:30:24
